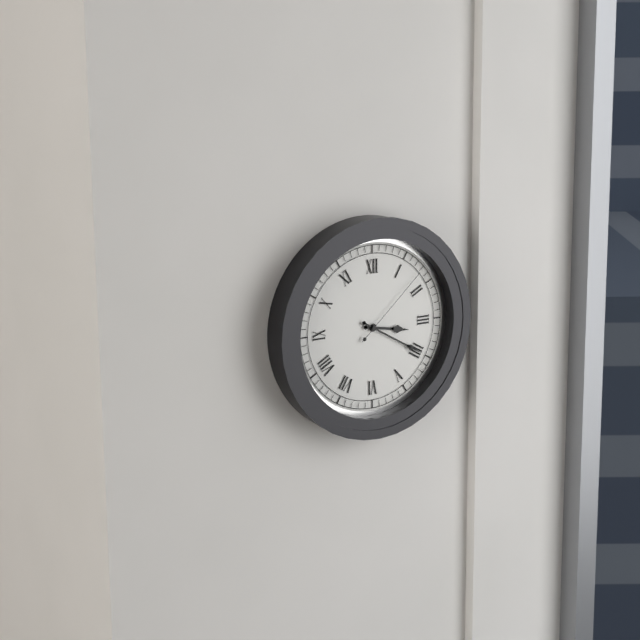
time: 3:20:08
